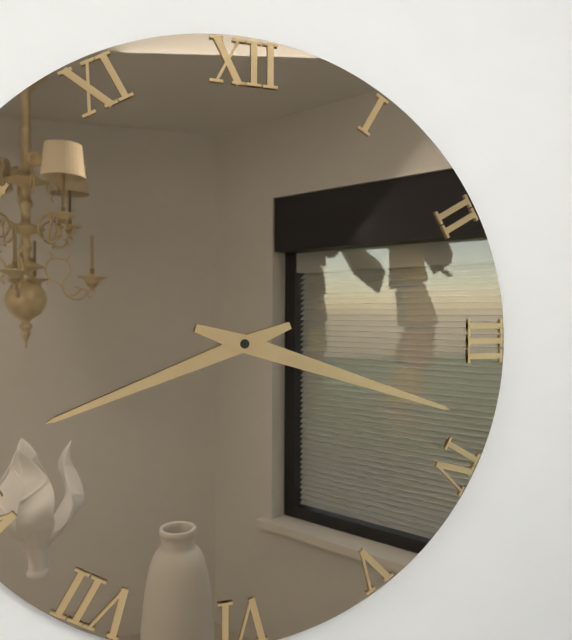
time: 8:18
